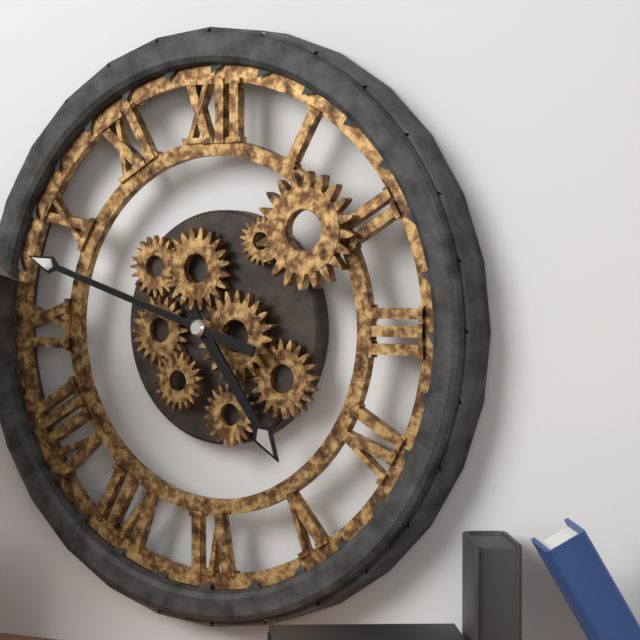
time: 4:48
